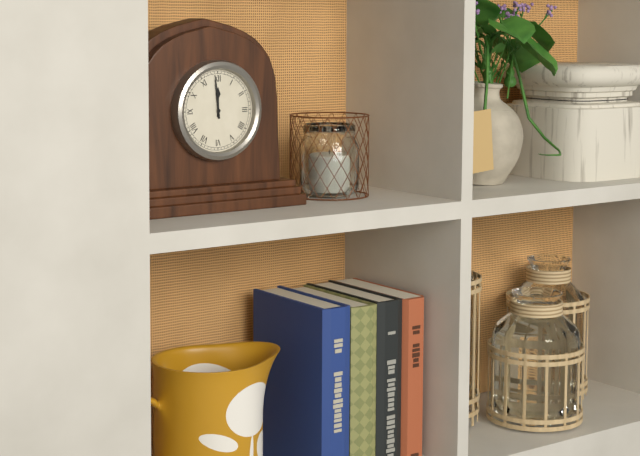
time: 11:59
